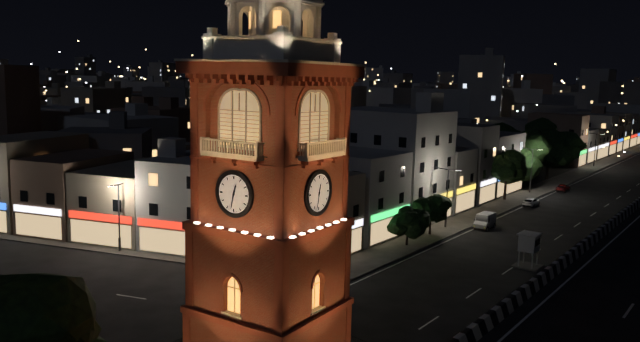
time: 12:32
